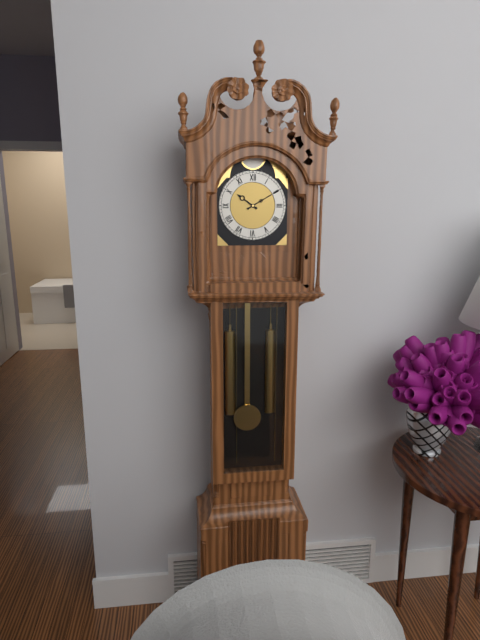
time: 10:10
